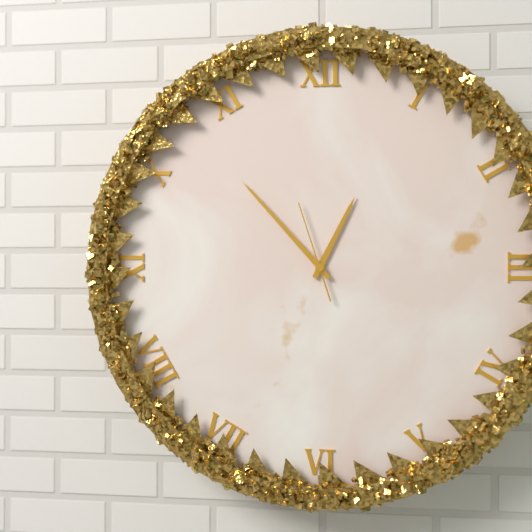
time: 12:53:57
